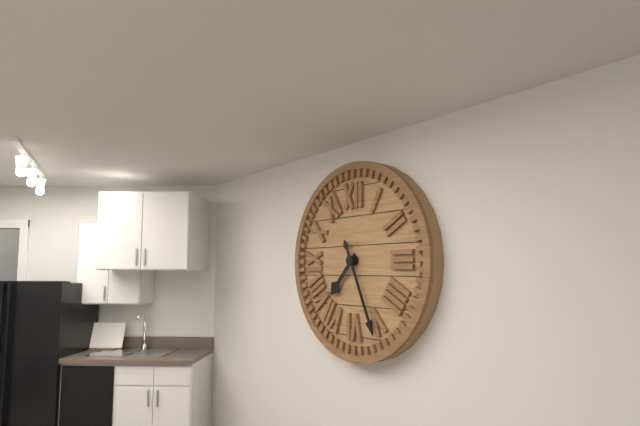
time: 7:26
